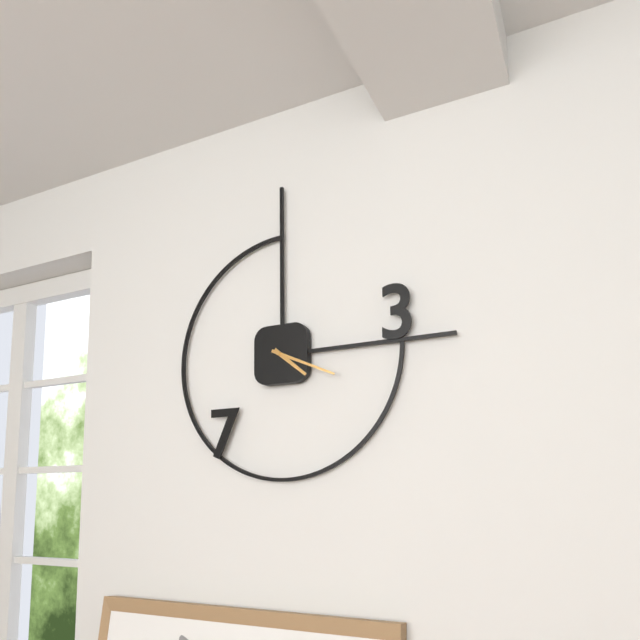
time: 4:19
